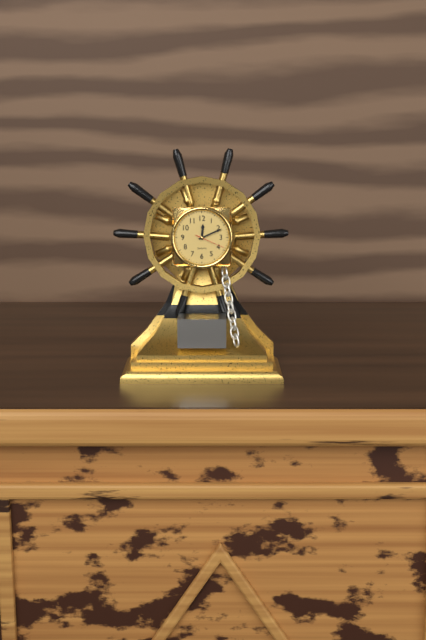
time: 12:11
